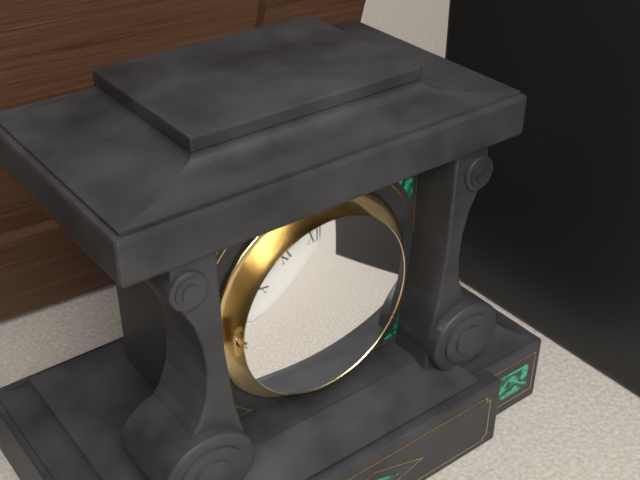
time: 2:39
